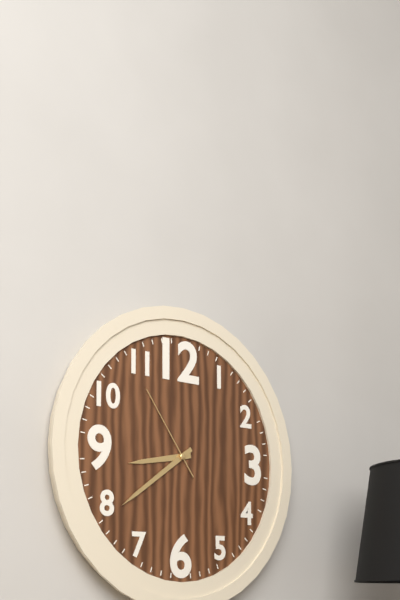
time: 8:39:54
